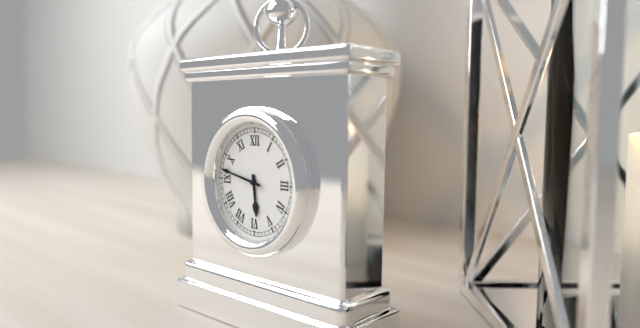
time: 5:47
